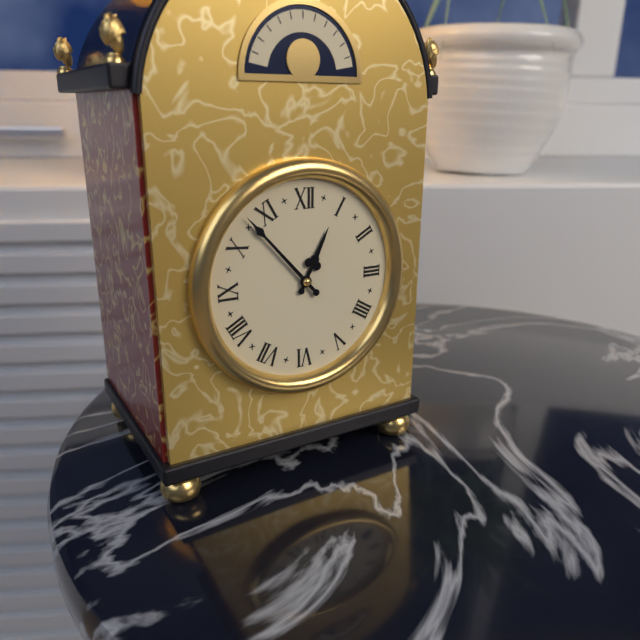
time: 12:53
